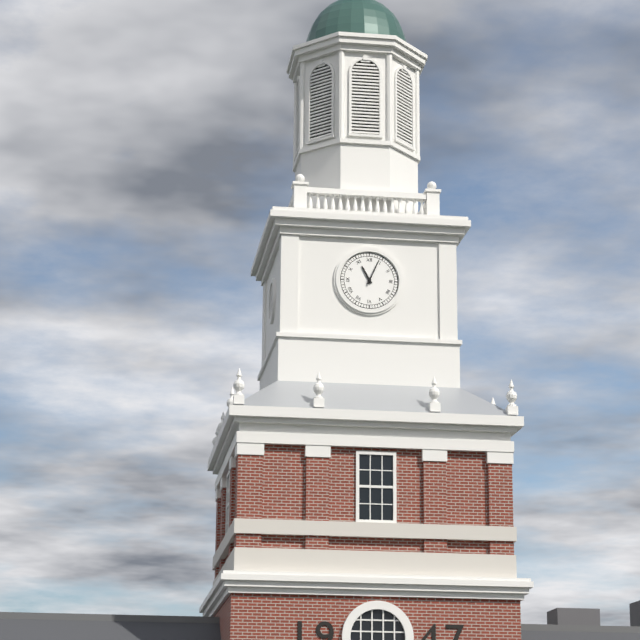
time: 11:04
